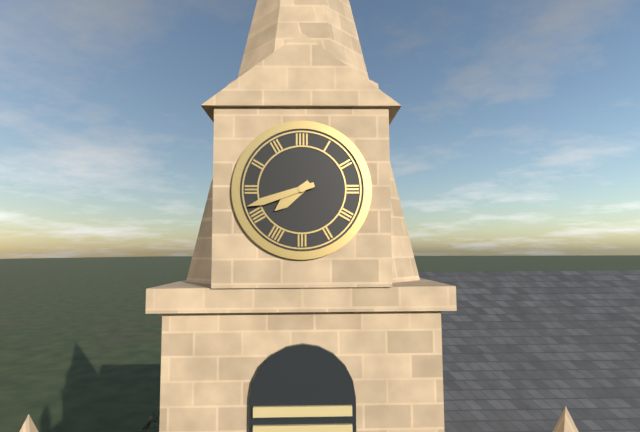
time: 7:42
